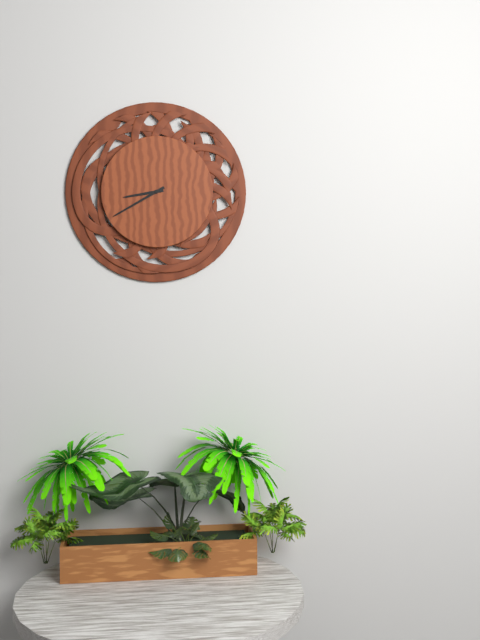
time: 8:40
